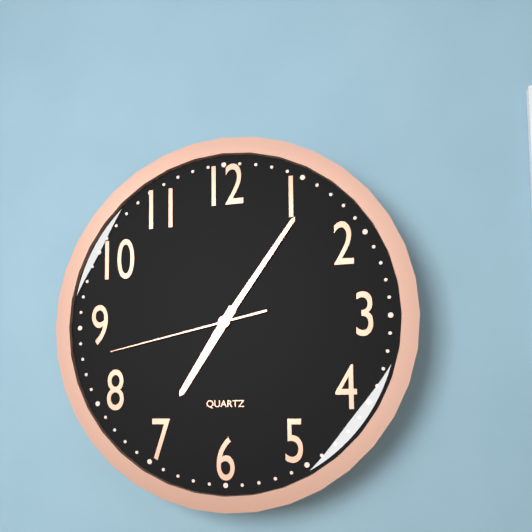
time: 7:06:43
